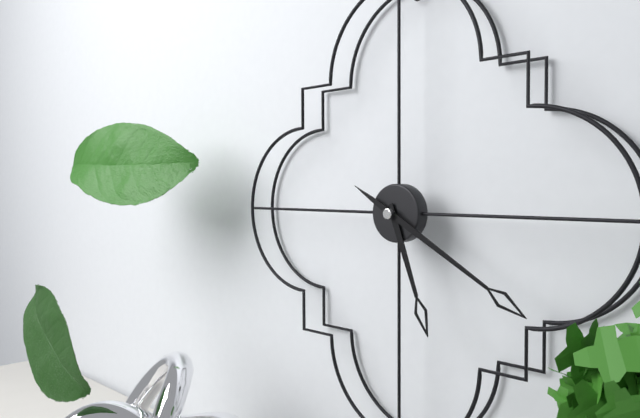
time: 5:20
